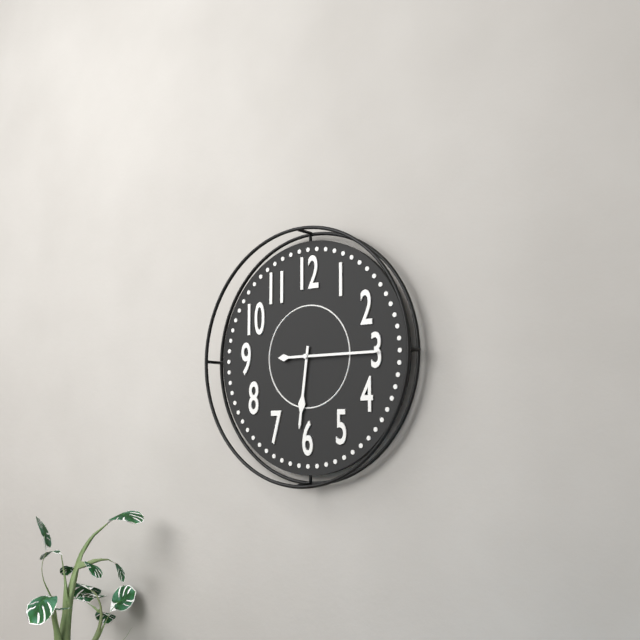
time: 6:15
